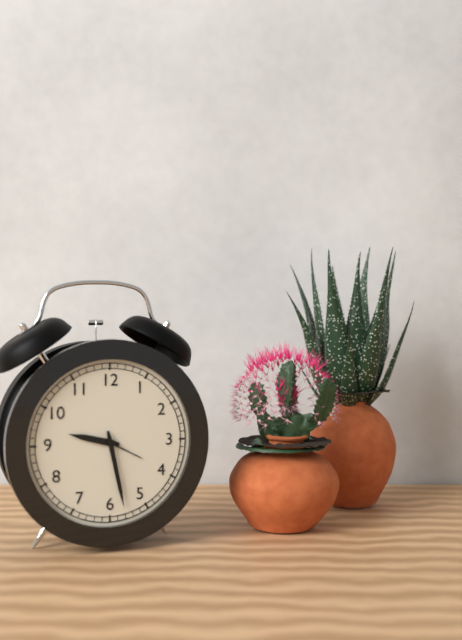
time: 9:28
